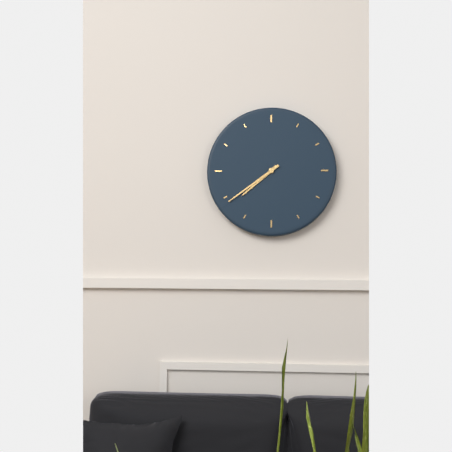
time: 7:39
